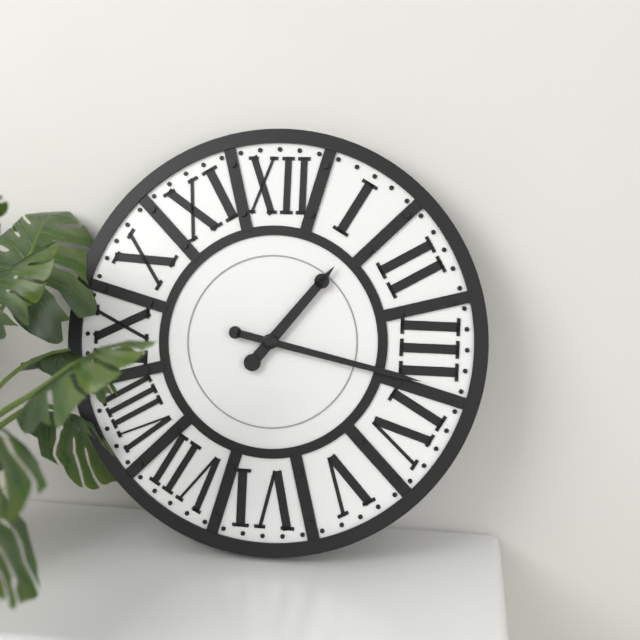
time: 1:17
